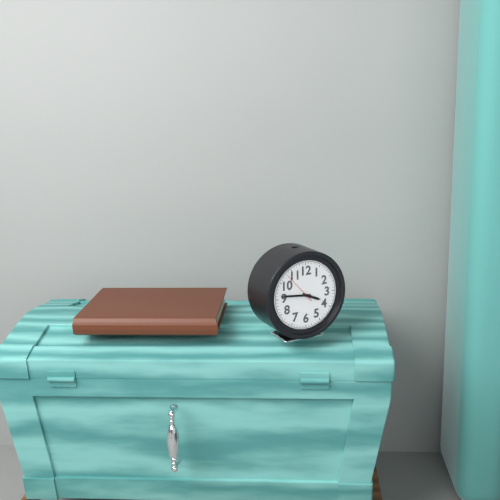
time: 3:46
